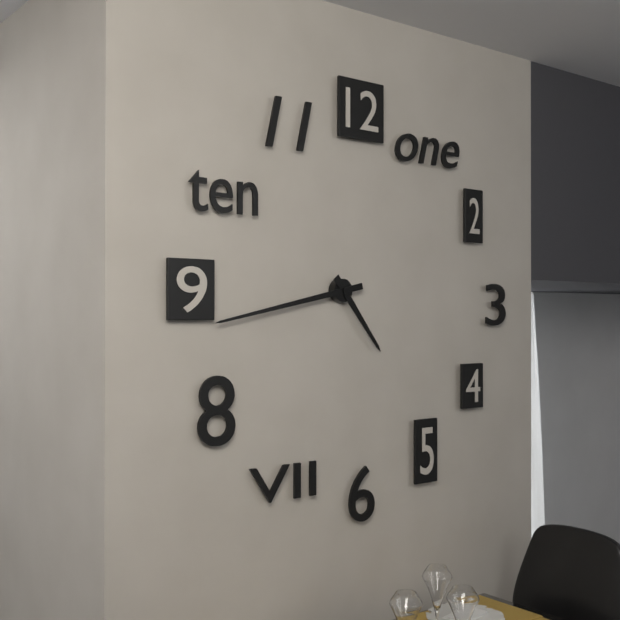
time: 4:43
